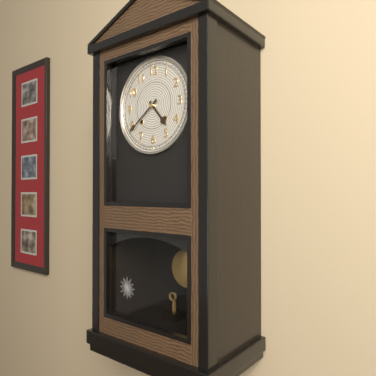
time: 4:39
